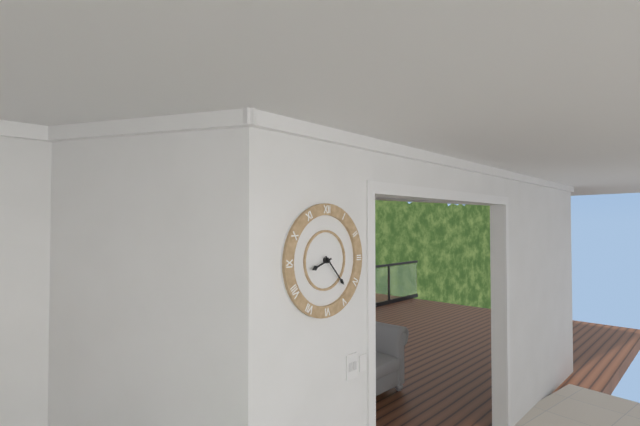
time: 8:23
